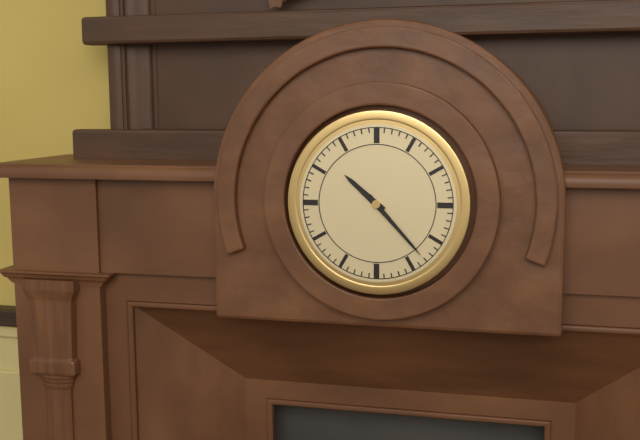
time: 10:23
